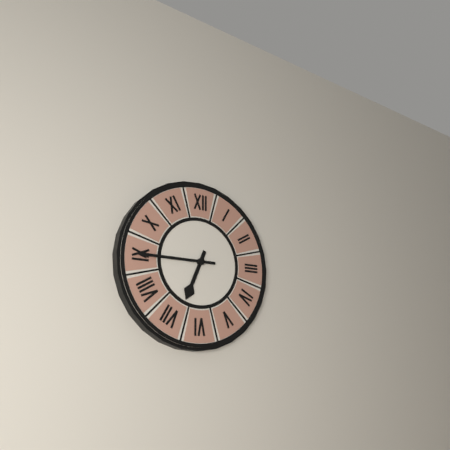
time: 6:45
